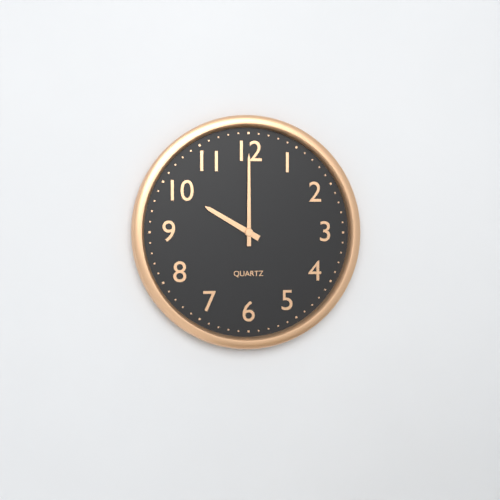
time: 10:00
